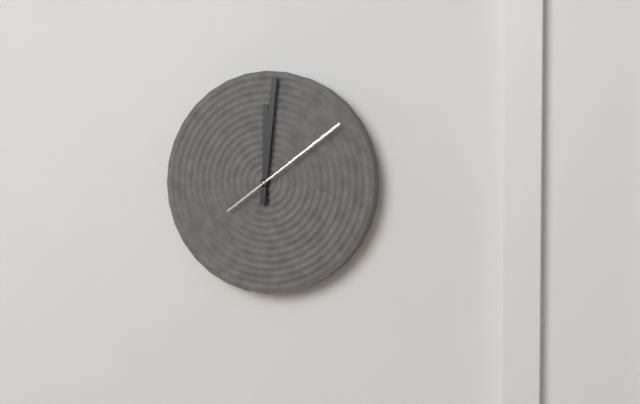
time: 12:01:09
